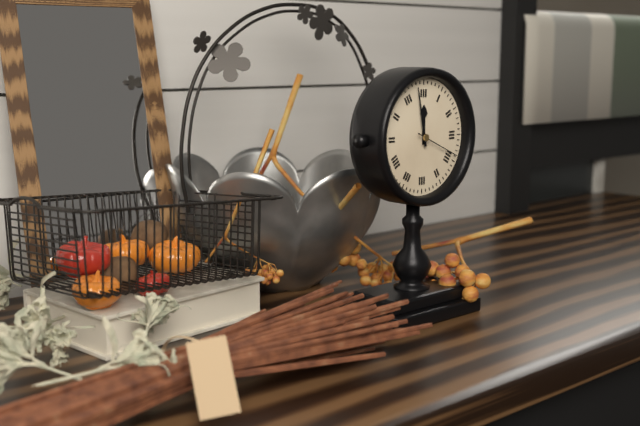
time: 11:58:19
